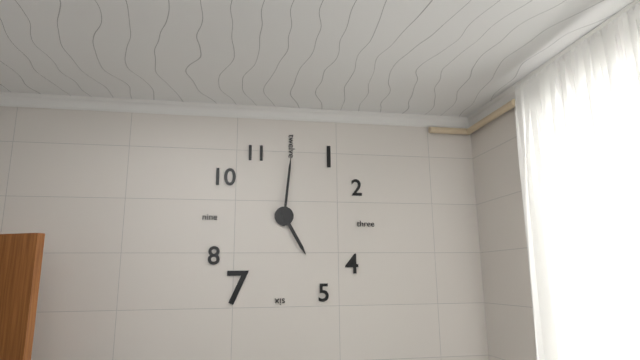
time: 5:01
